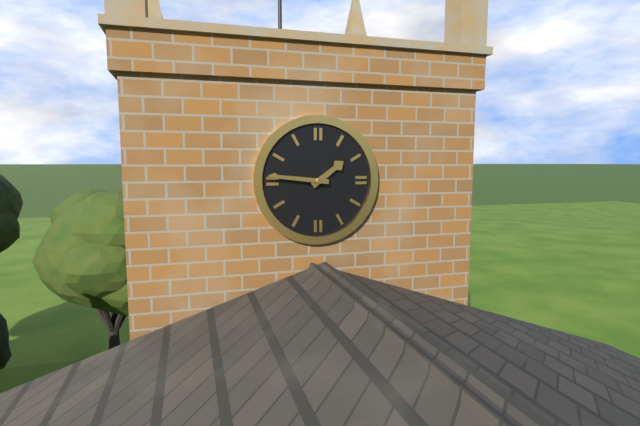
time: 1:46
